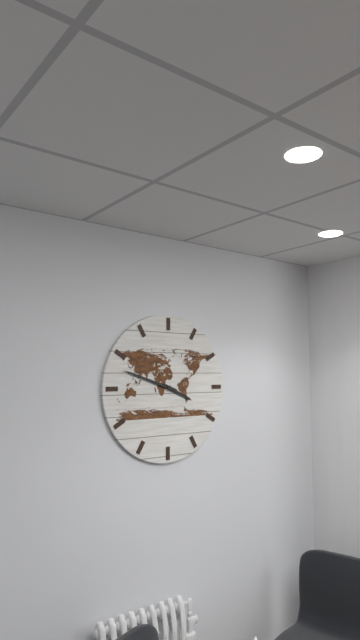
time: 3:48
